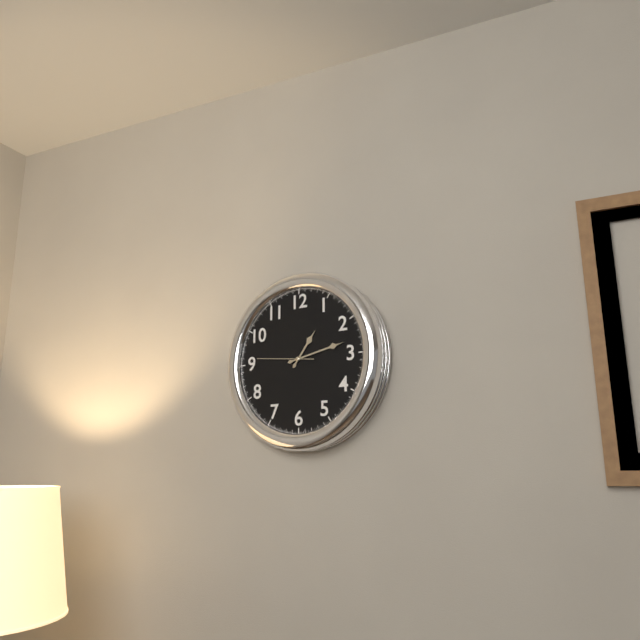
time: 1:13:46
